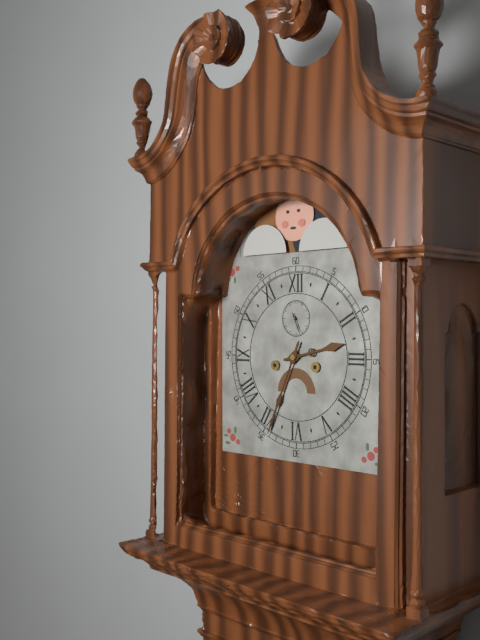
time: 2:34
